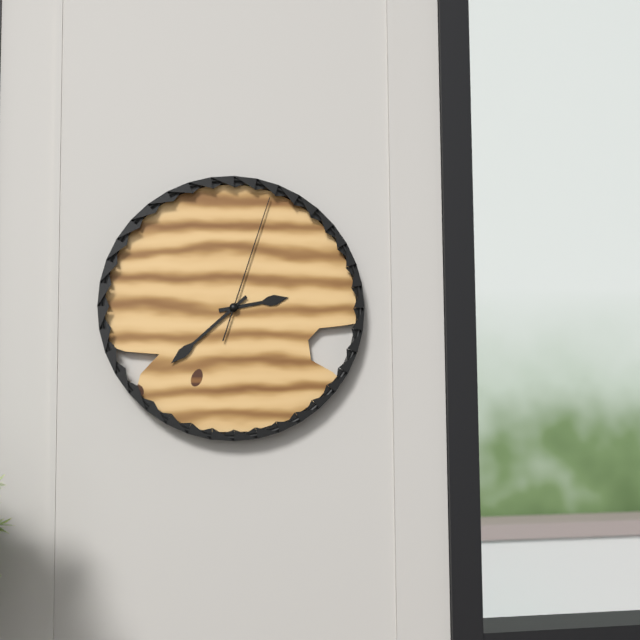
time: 2:38:03
